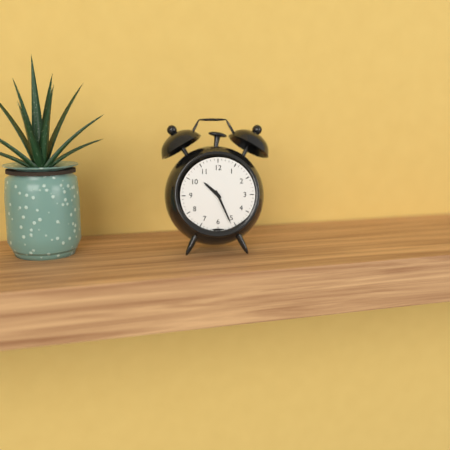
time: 10:26
